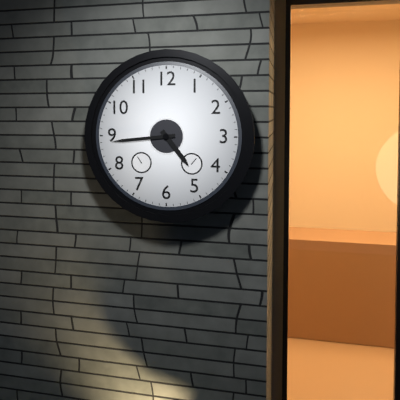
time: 4:44
